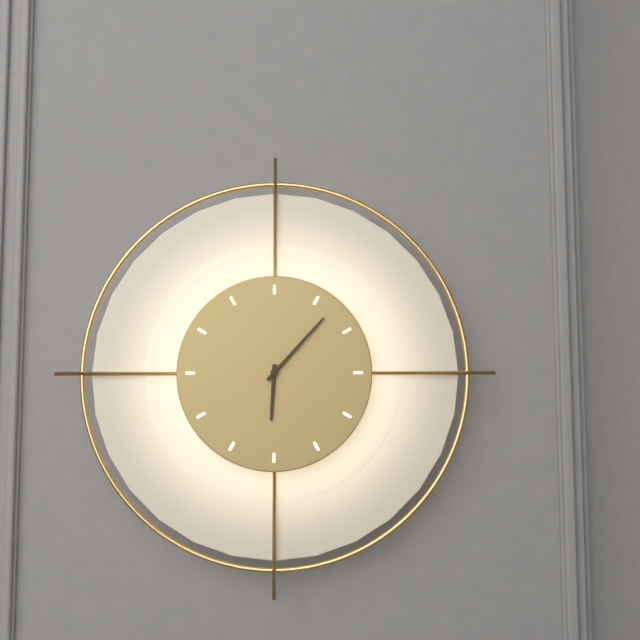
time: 6:07
